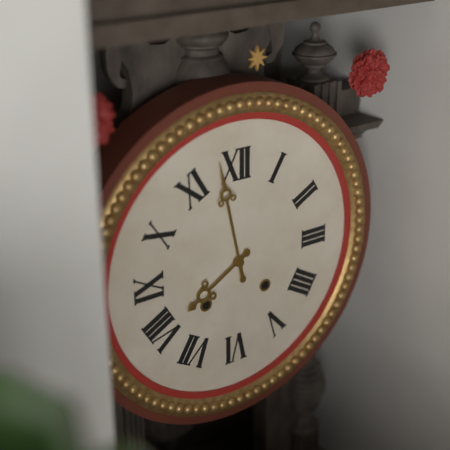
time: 7:58
